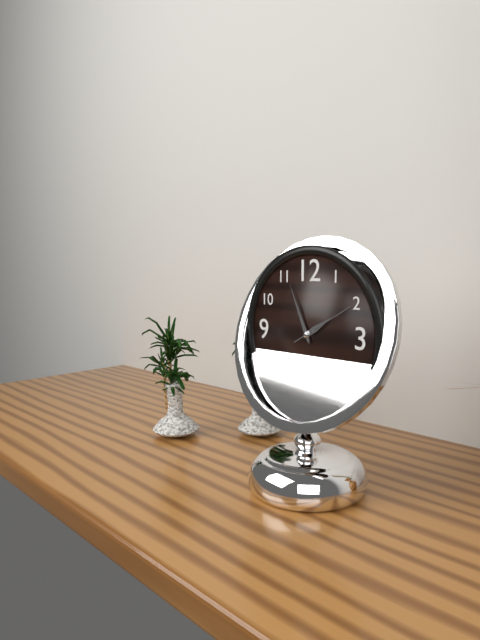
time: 1:56:10
